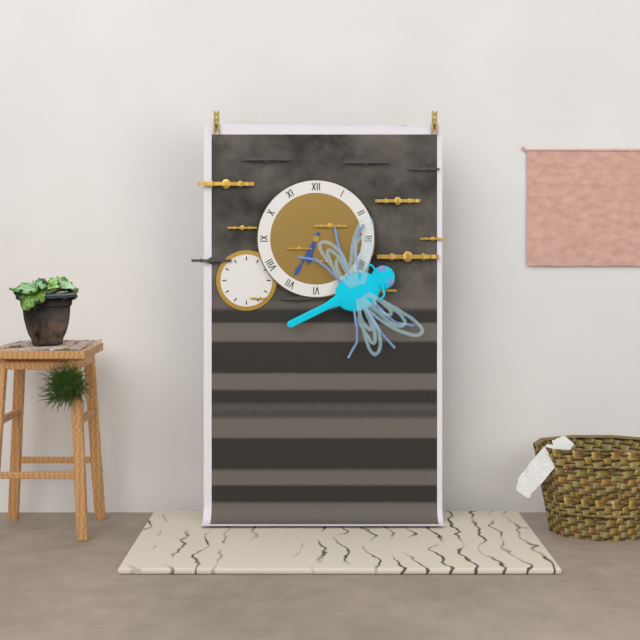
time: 6:35
